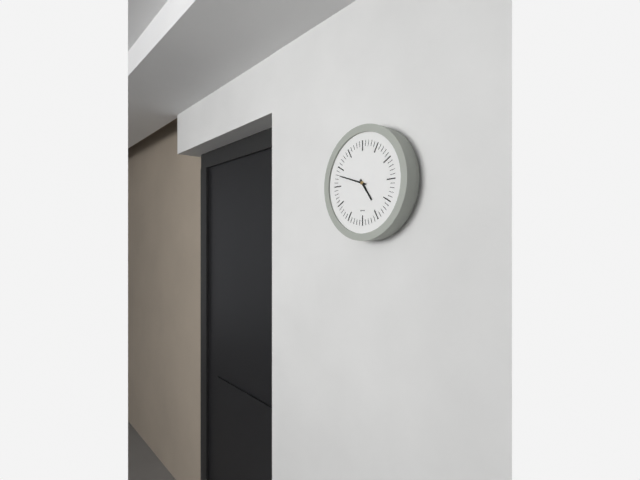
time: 4:48
